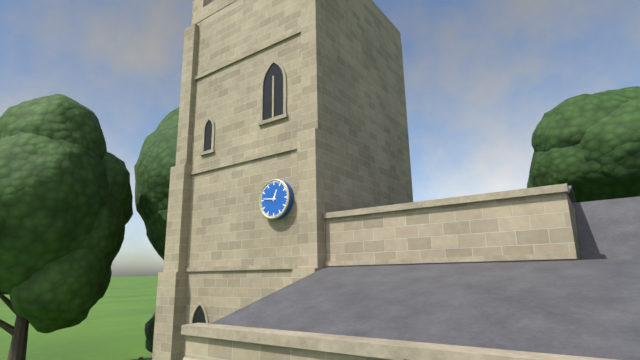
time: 12:46
